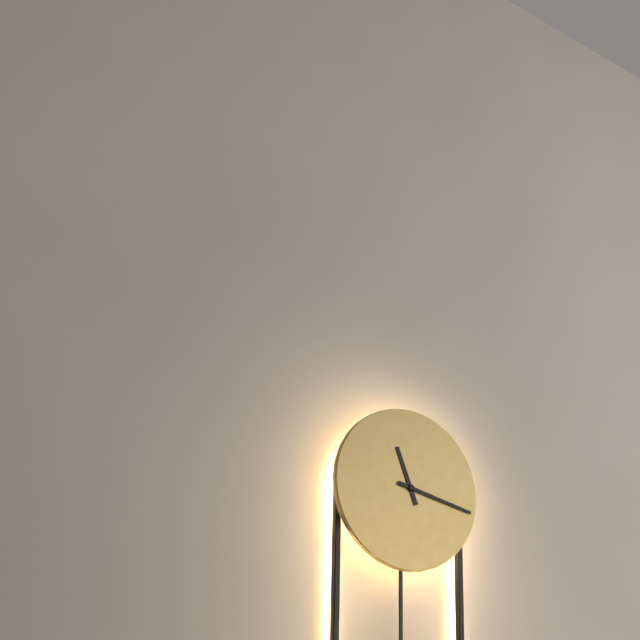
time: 11:17
